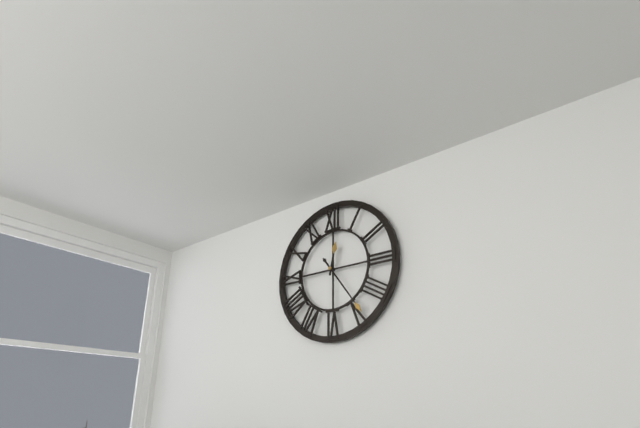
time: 12:24
